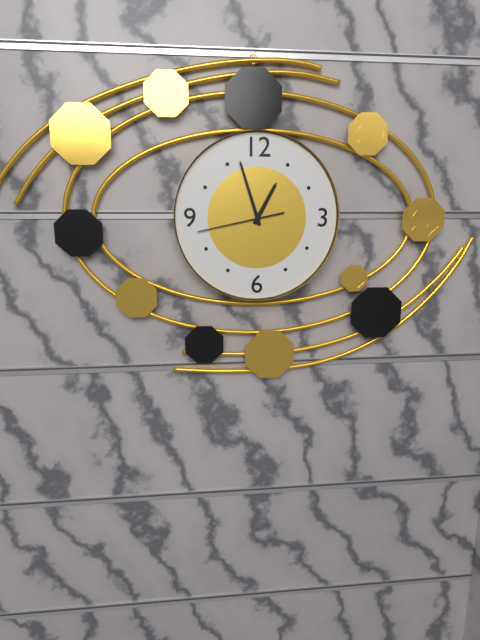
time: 12:57:43
